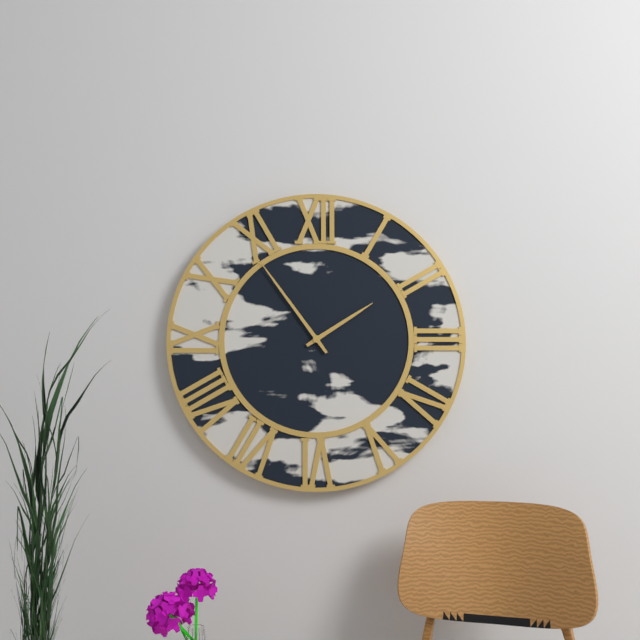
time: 1:54
